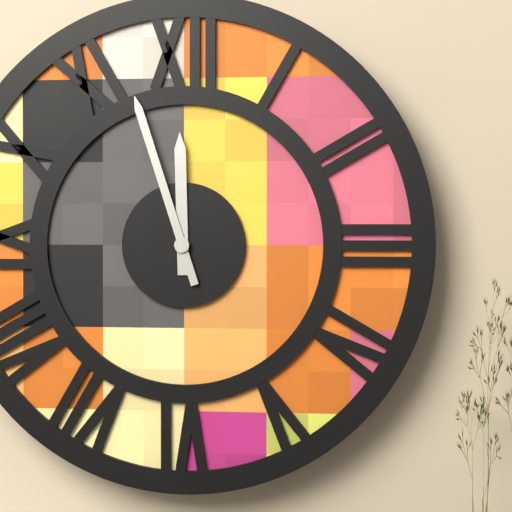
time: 11:57
